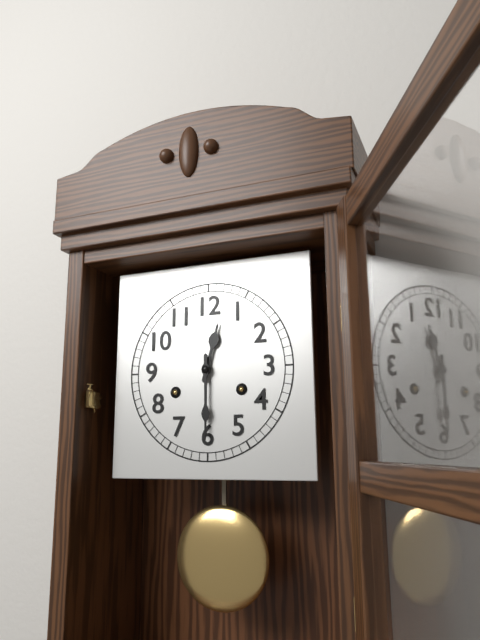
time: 12:30
